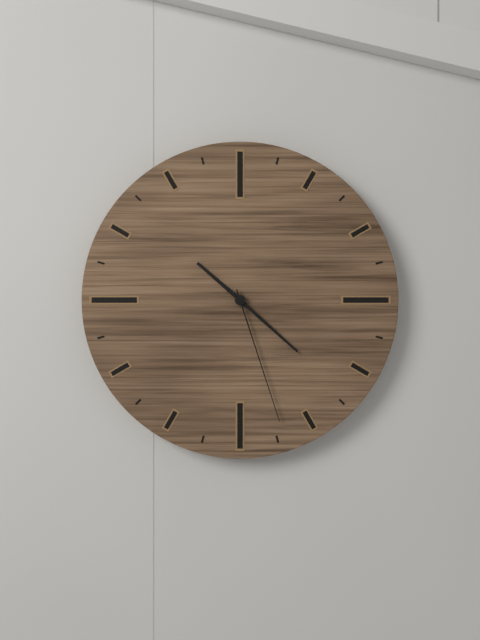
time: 10:22:27
